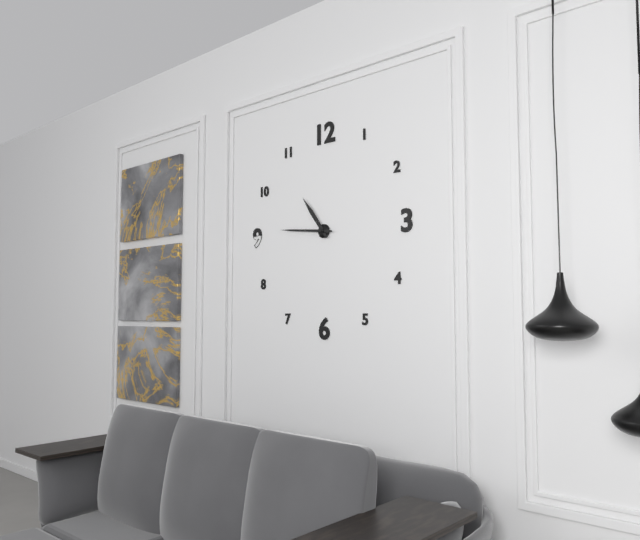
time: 10:46
